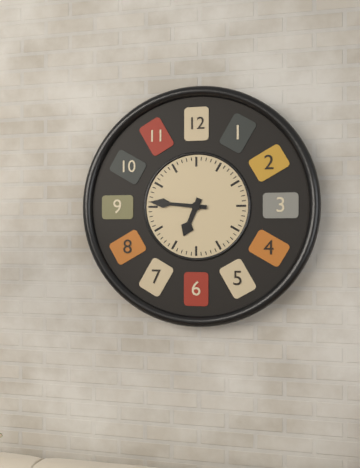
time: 6:46
